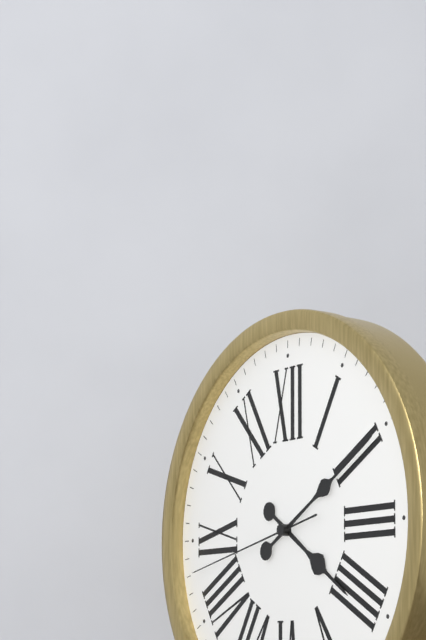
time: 4:10:43
